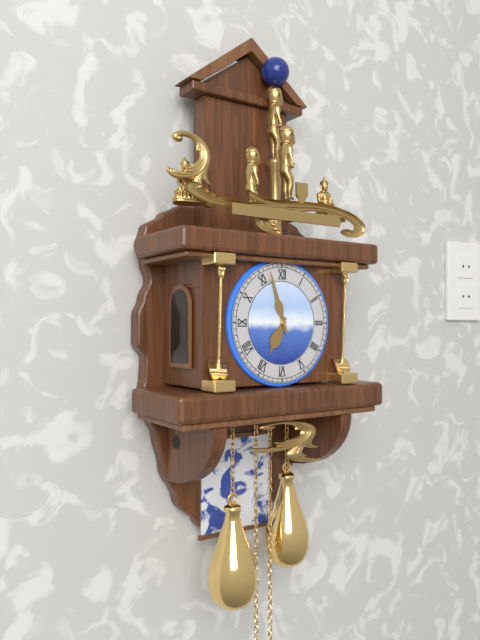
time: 6:57
